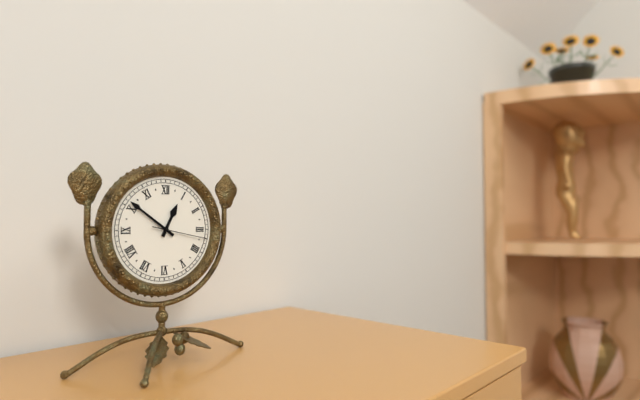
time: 12:51:17
